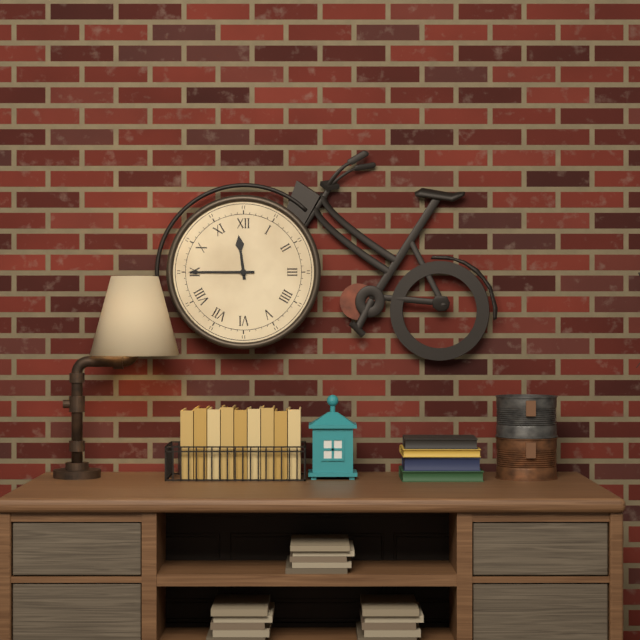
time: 11:45
